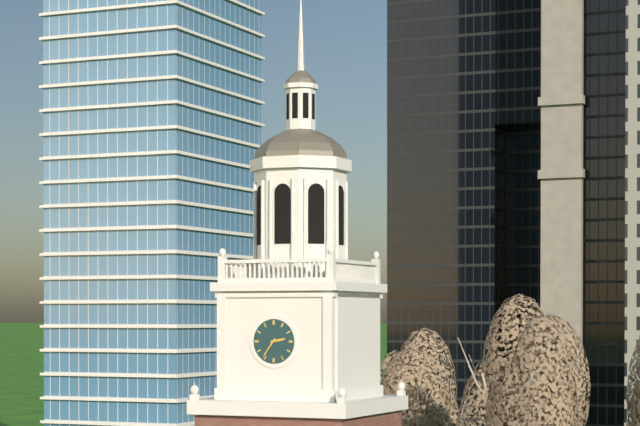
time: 2:36
